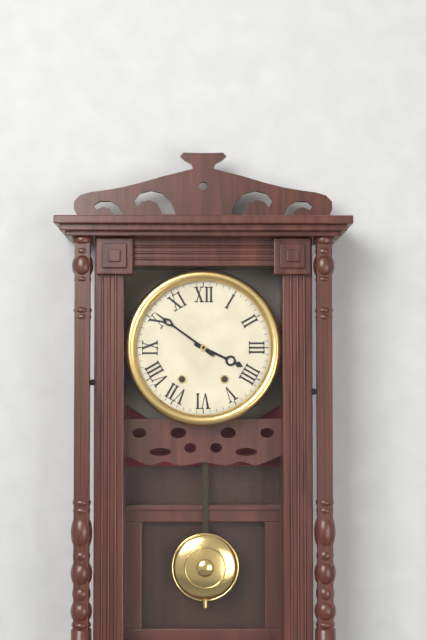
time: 3:51
